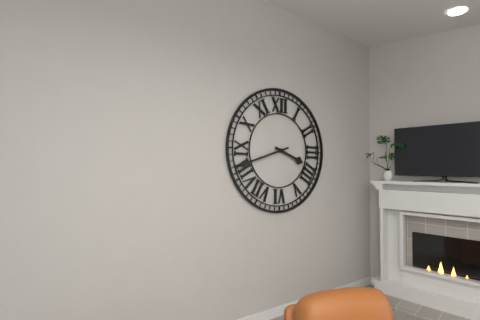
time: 3:42
